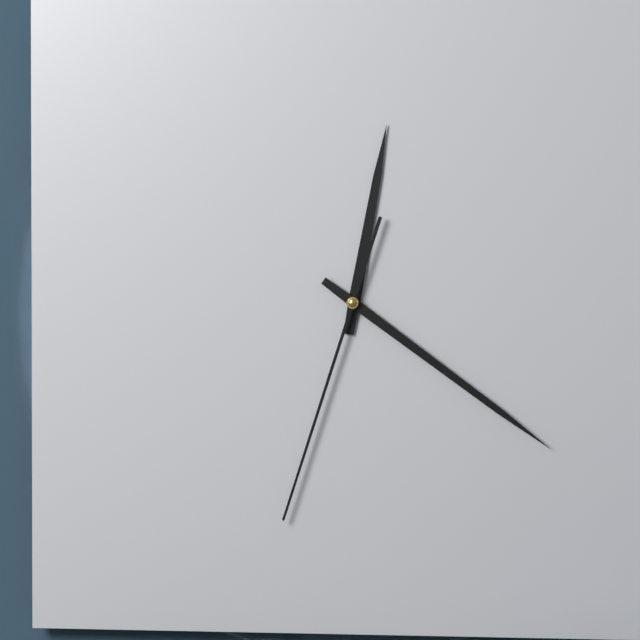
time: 12:21:33
